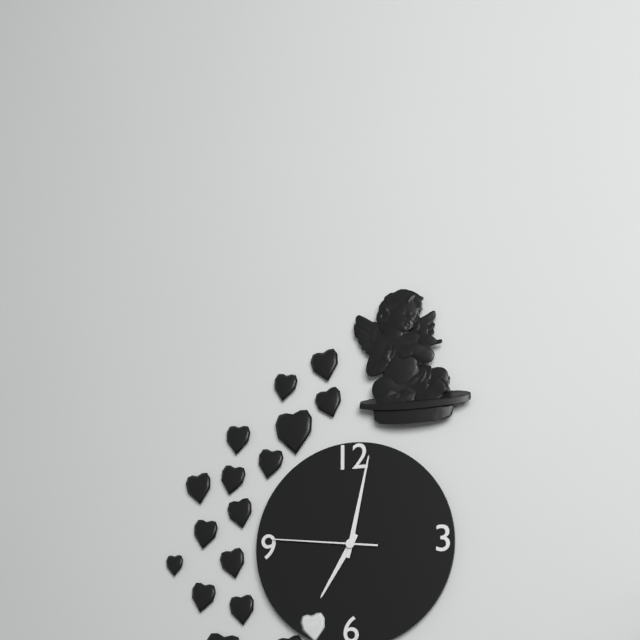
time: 7:02:46
